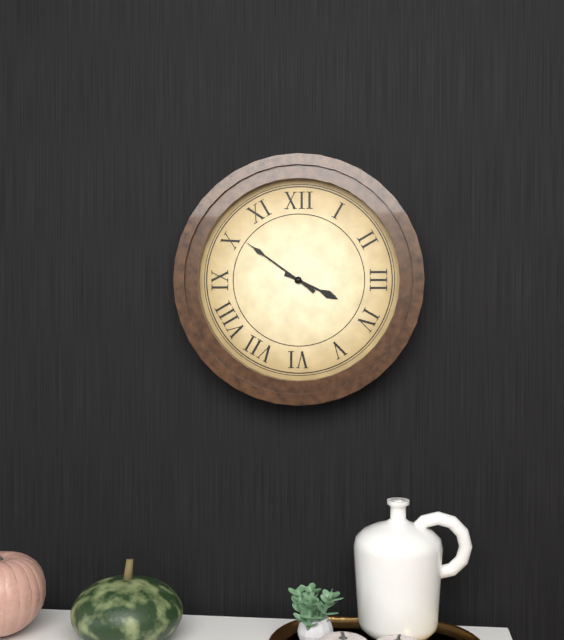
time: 3:51
